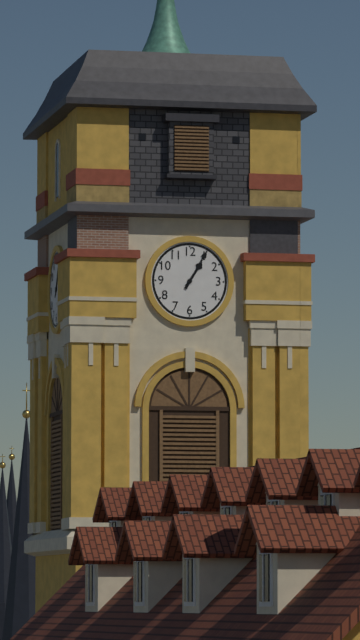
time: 1:05
